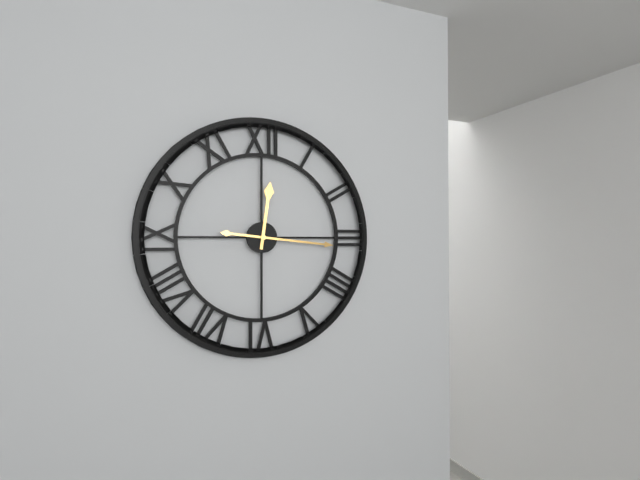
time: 12:16
